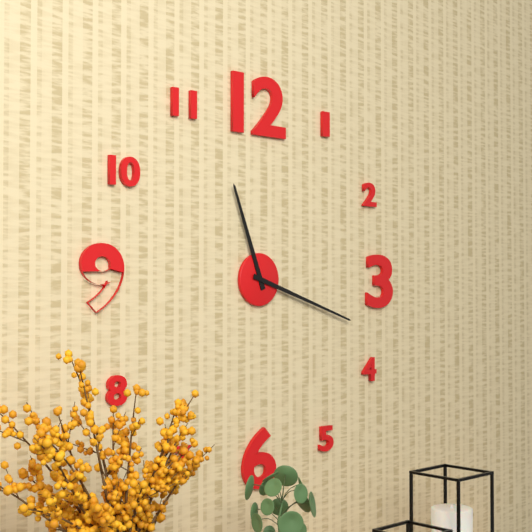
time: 11:18
